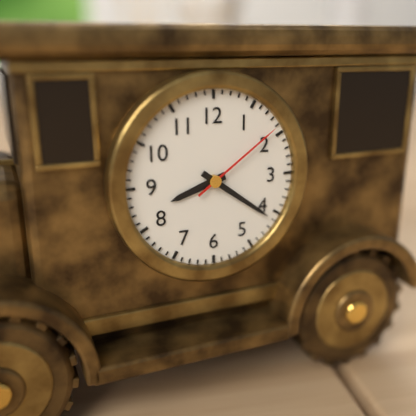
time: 8:21:09
